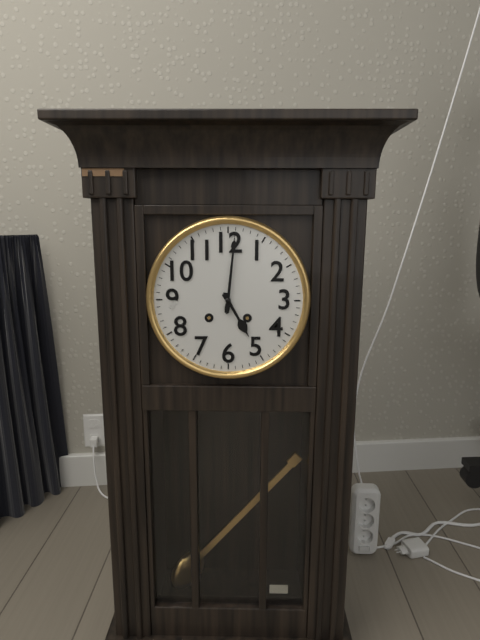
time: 5:01
